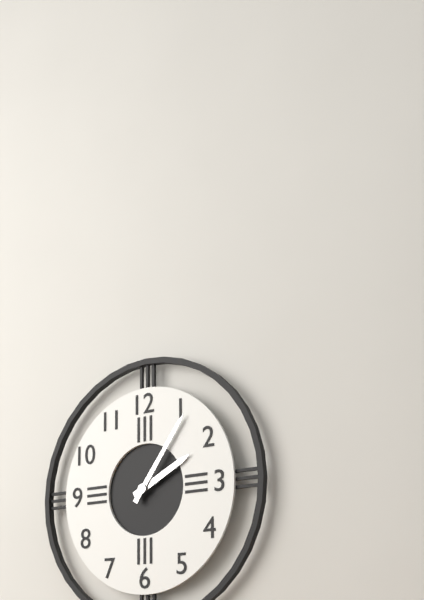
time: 2:06
